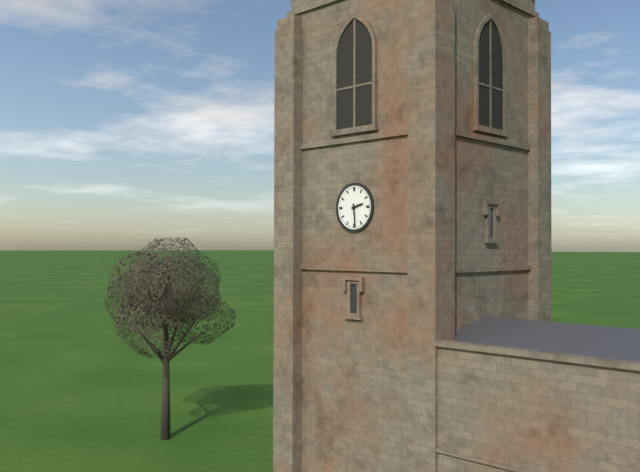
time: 2:29
